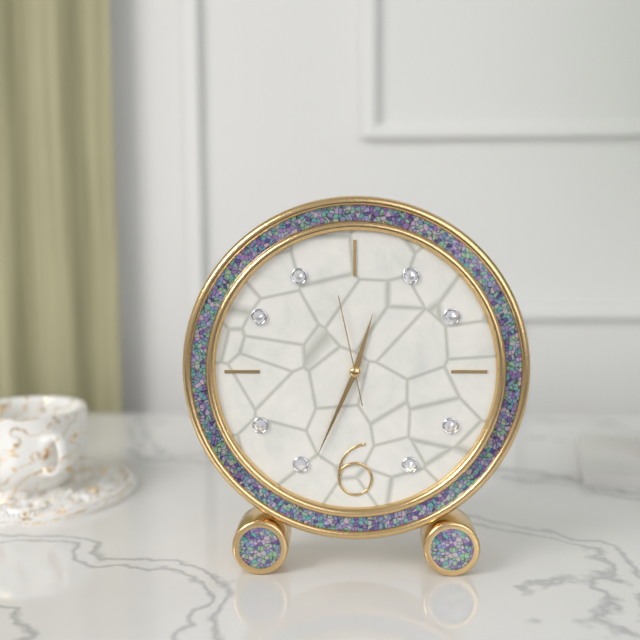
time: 12:34:58
